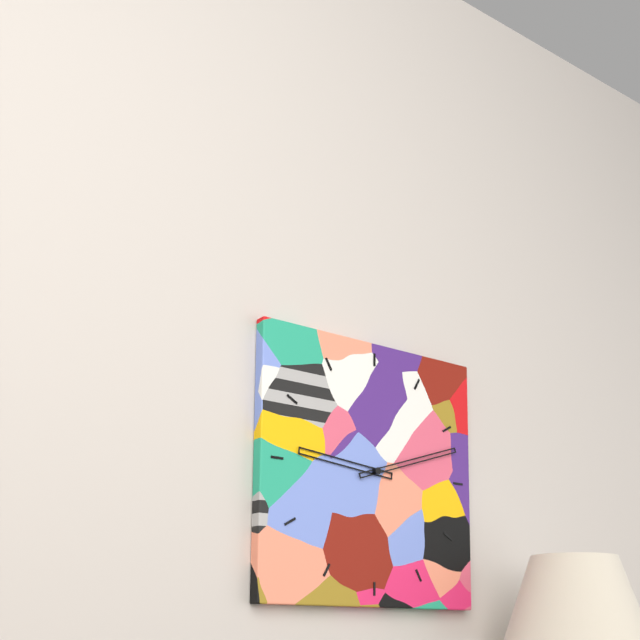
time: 9:12
